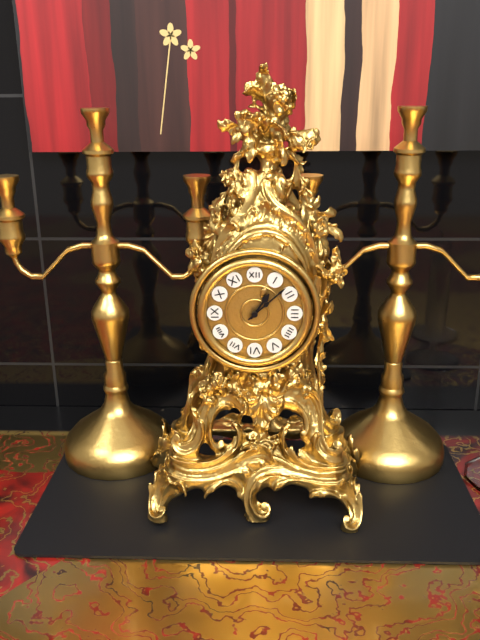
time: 1:08
